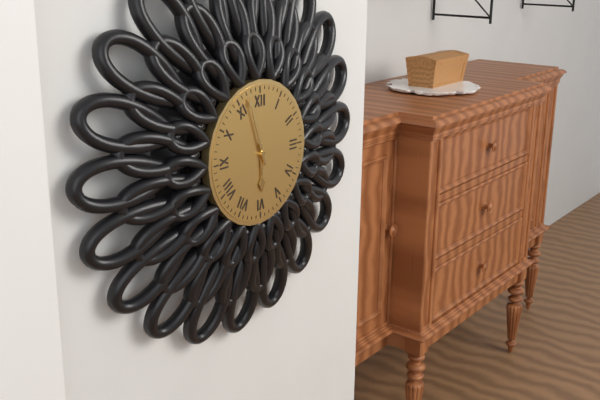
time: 5:57
